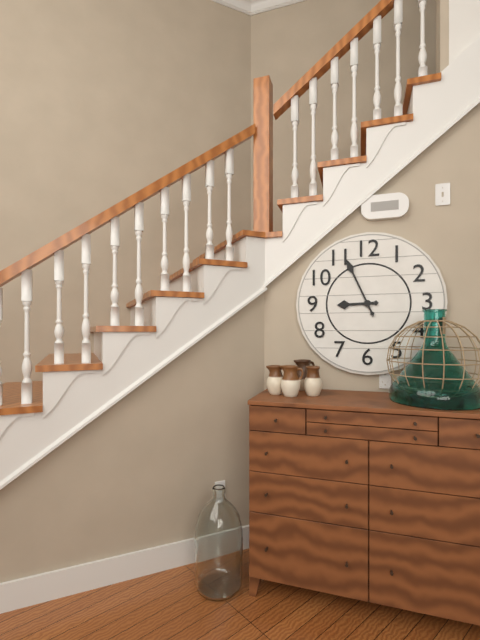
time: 8:56
